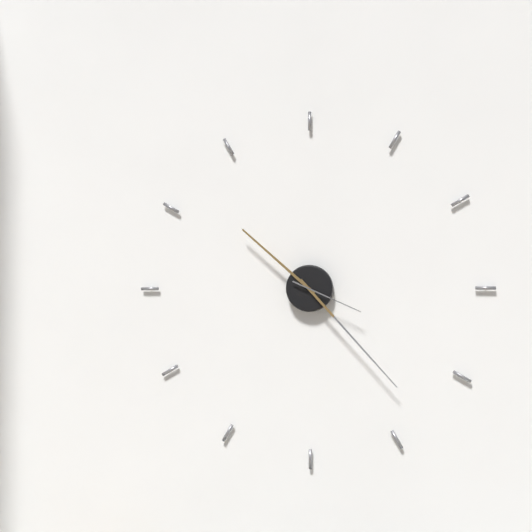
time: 10:23:19
